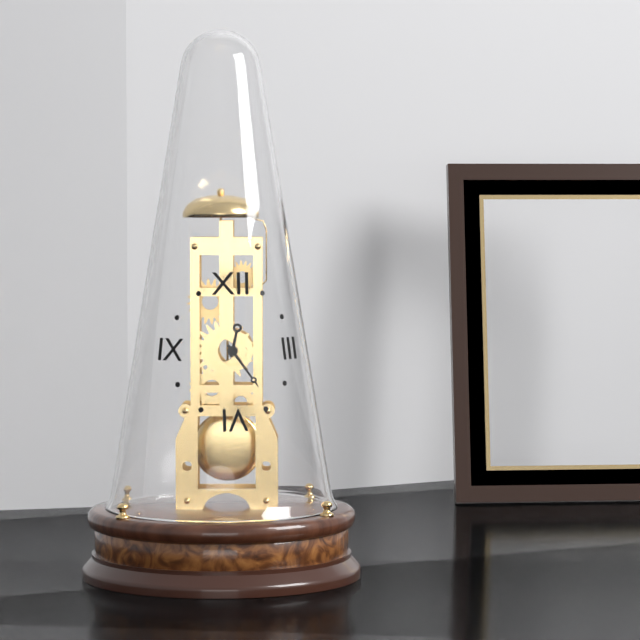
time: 12:24
